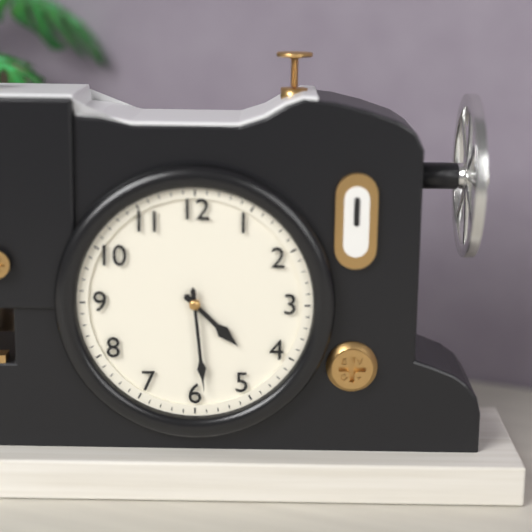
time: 4:29
